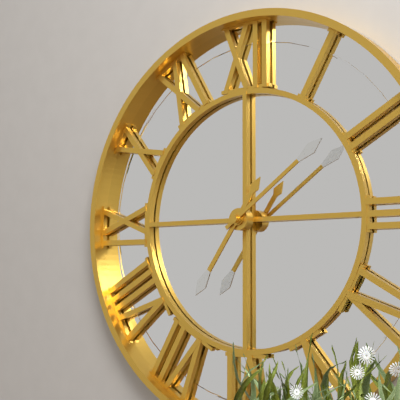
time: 7:09
